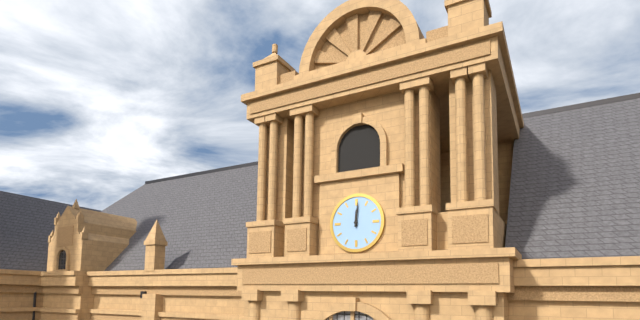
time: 12:01
